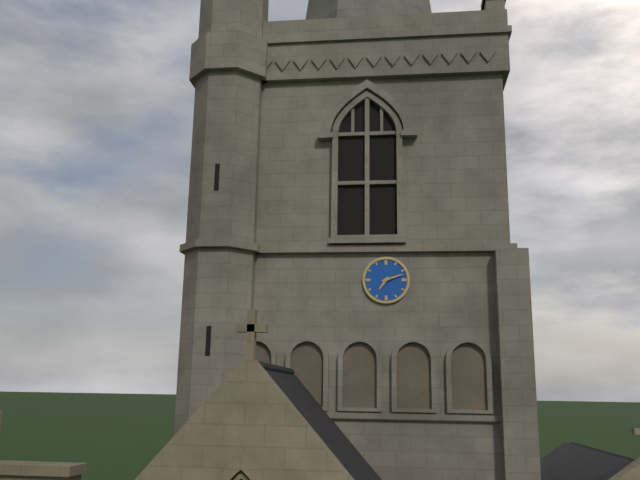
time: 7:12
